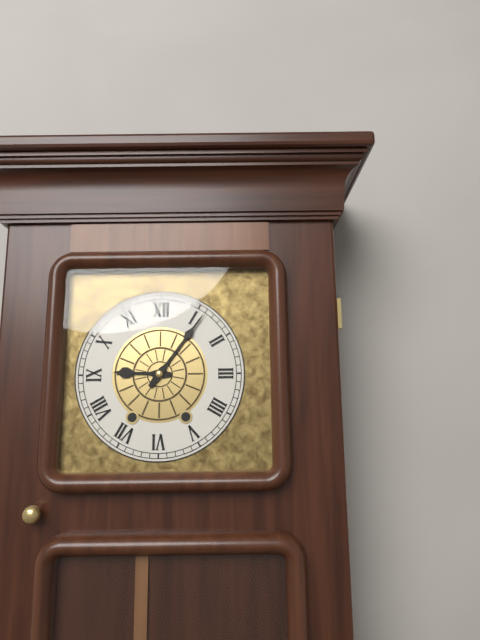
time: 9:06
